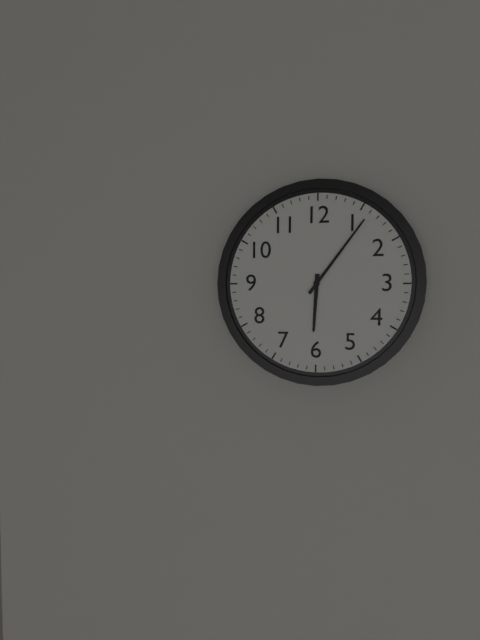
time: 6:06
